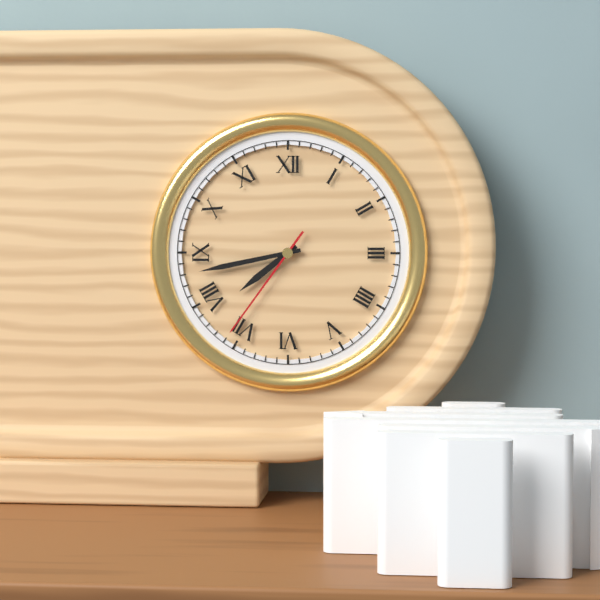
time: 7:43:36
